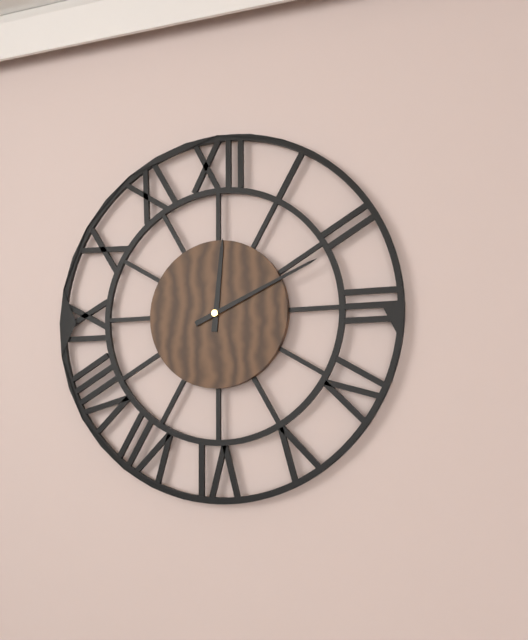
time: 12:11
